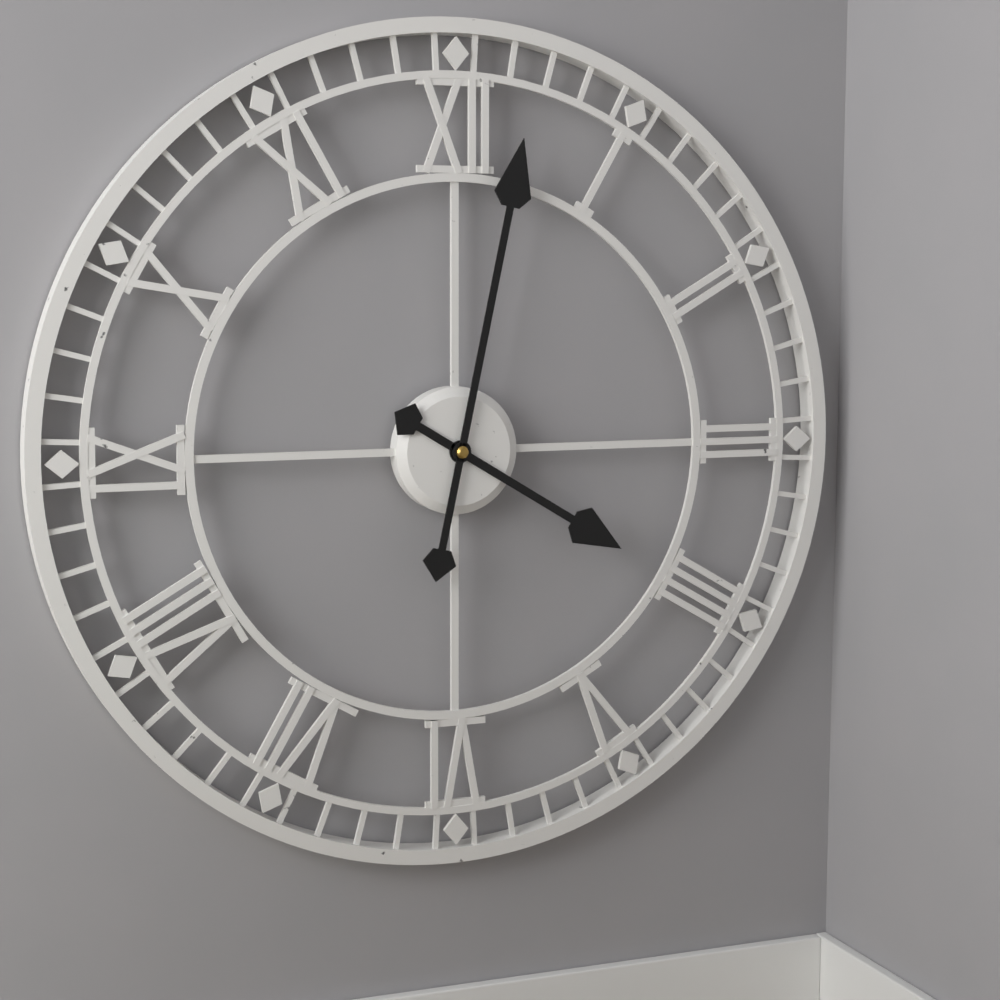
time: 4:02
